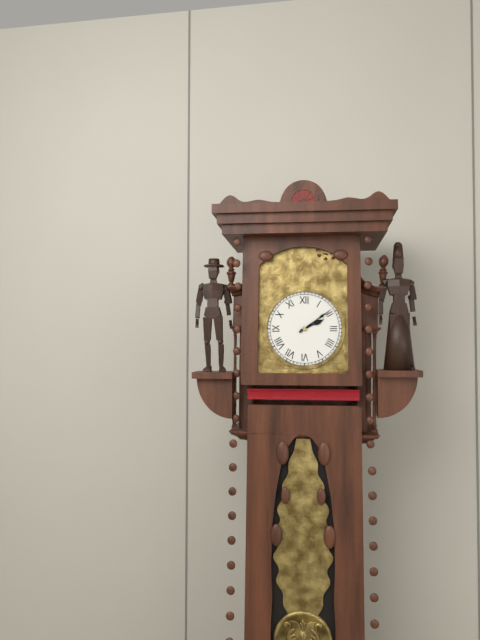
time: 2:09
